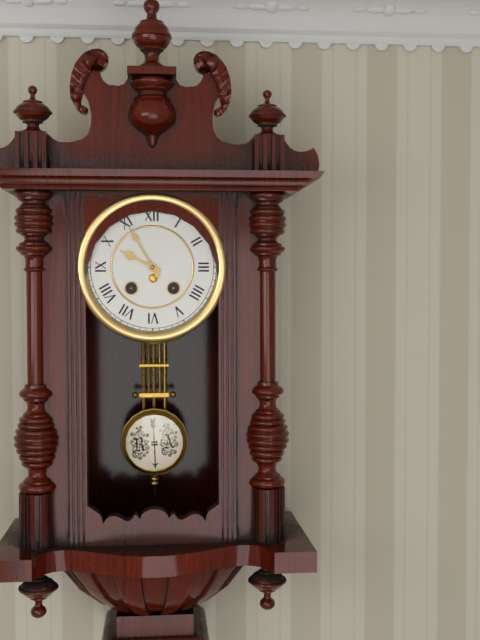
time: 9:55
